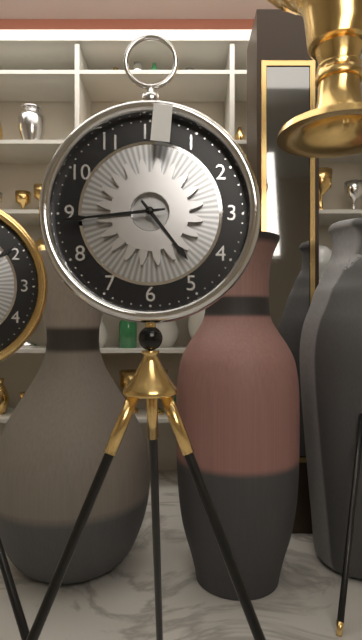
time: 4:44
